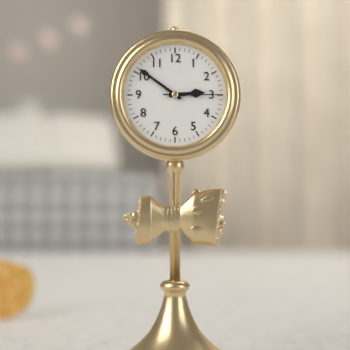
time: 2:51:15
